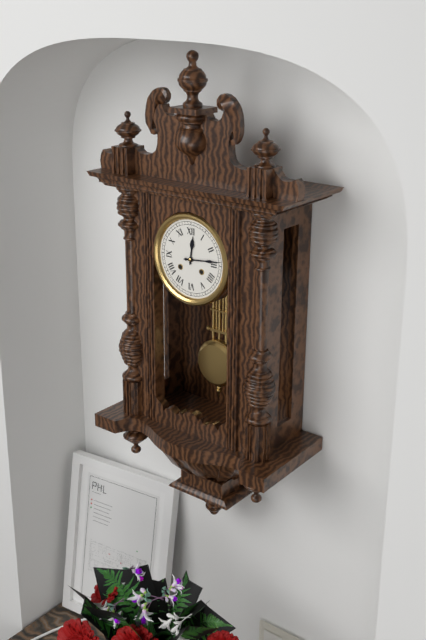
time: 12:14
